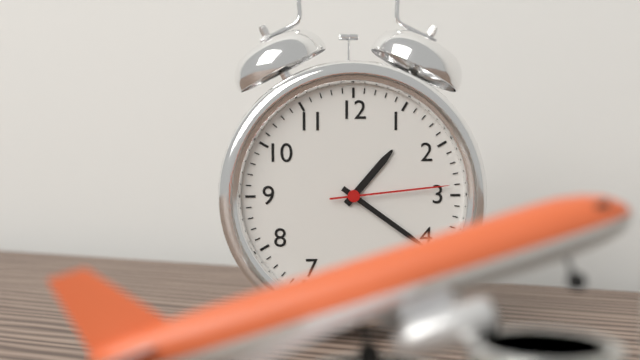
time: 1:21:14
